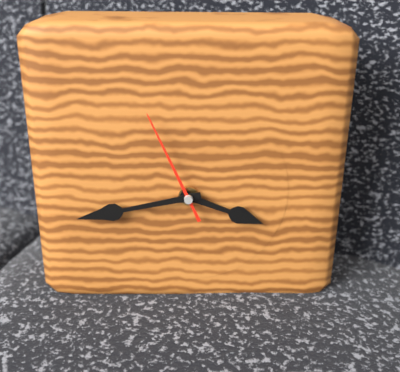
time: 3:43:56
